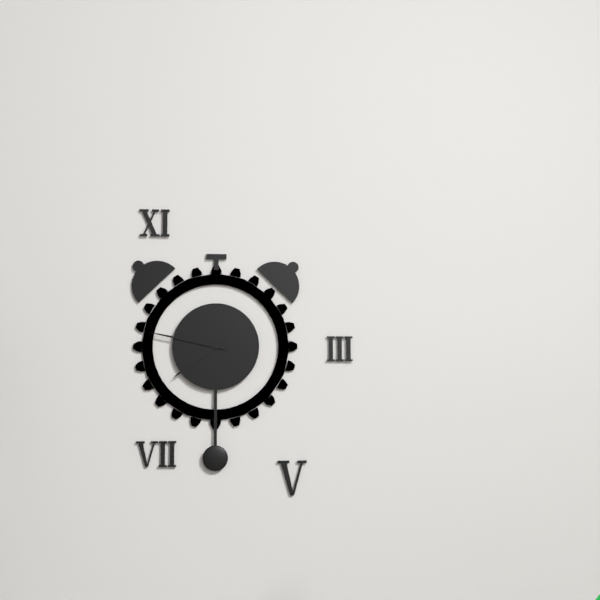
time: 7:47
